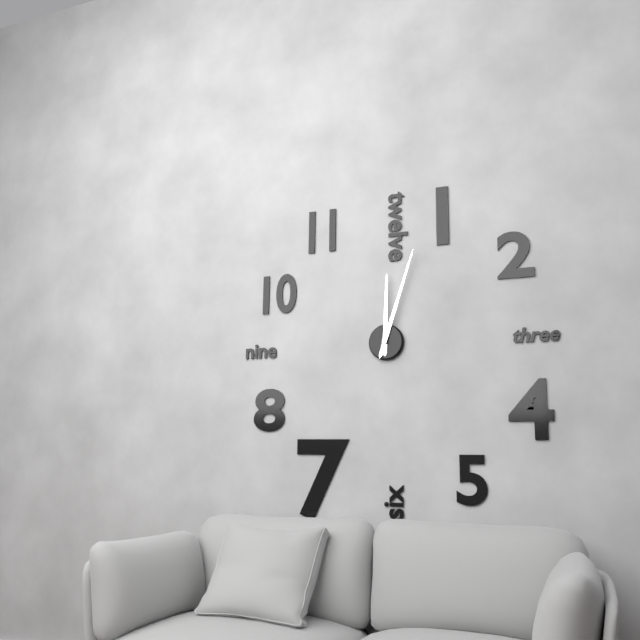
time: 12:03
